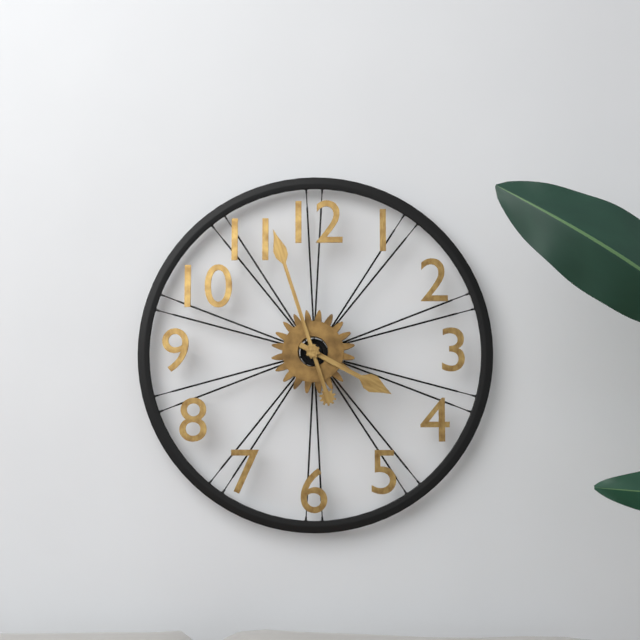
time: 3:57
